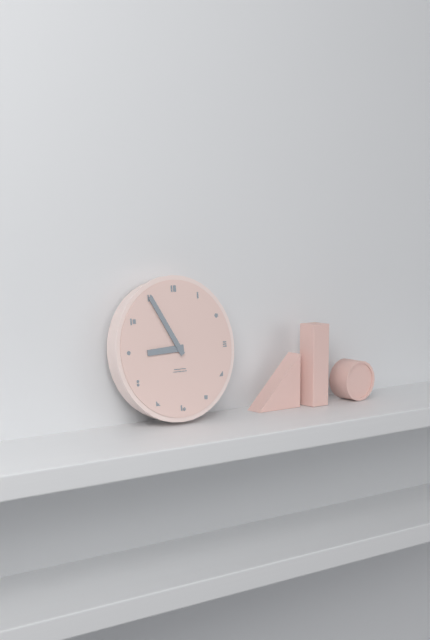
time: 8:55
